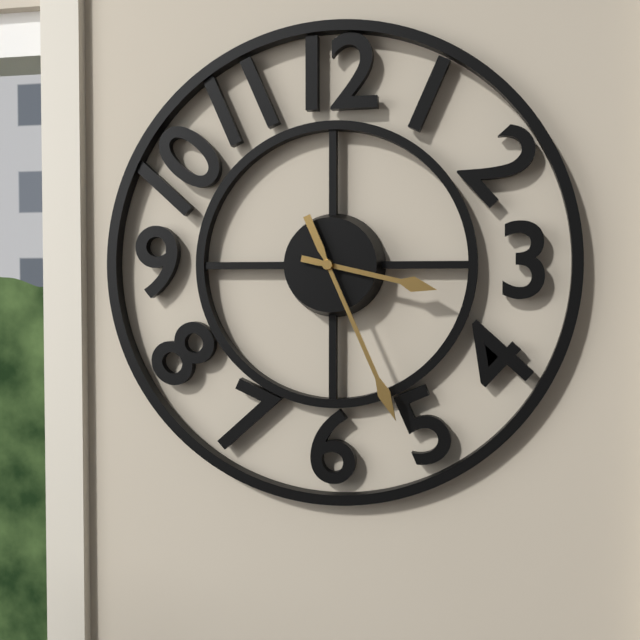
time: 3:26
